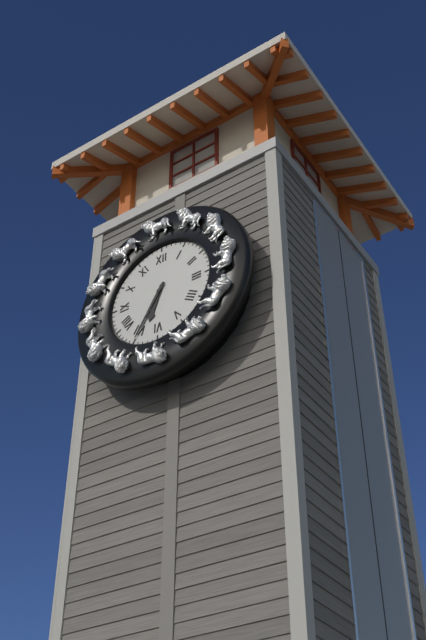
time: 6:35
